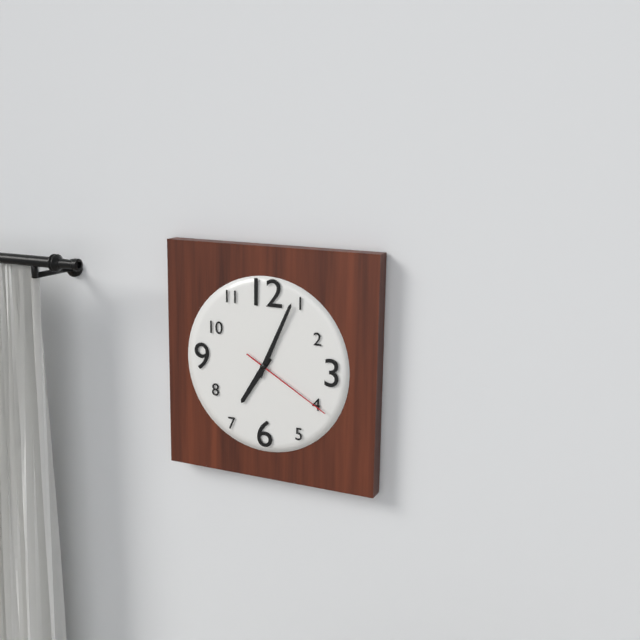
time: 7:04:20
